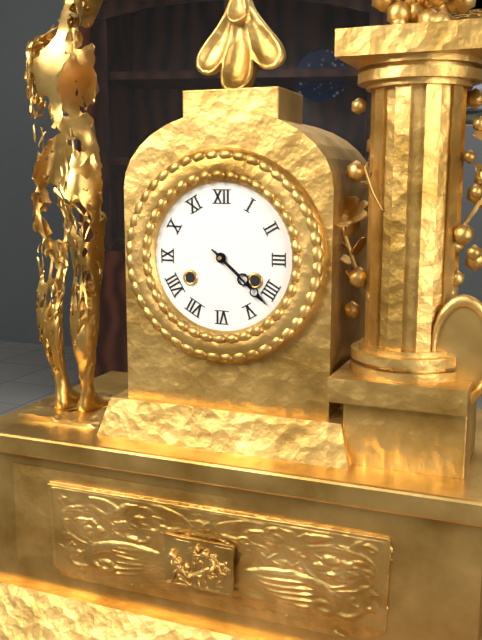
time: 4:22
